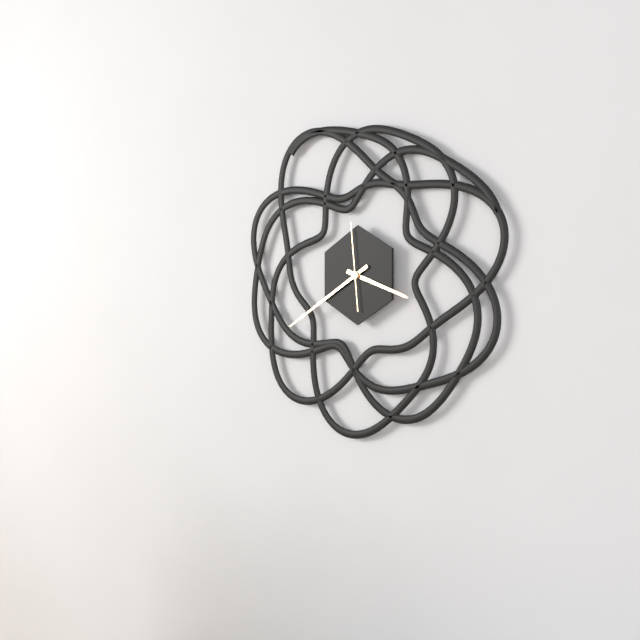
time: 3:40:59
